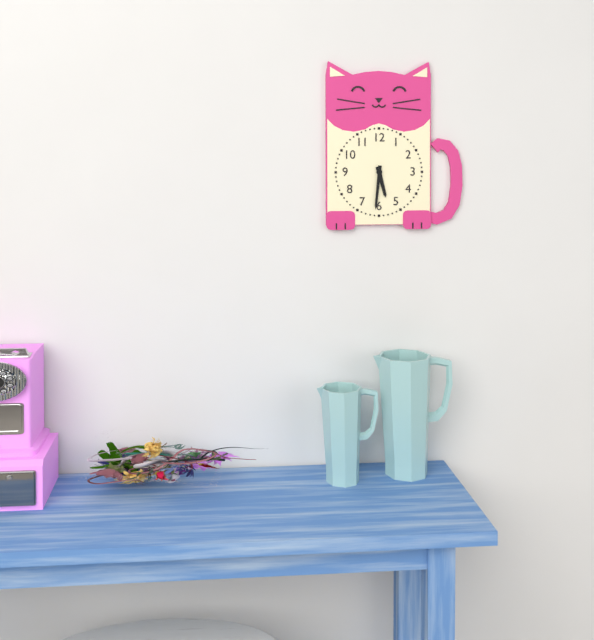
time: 5:31
